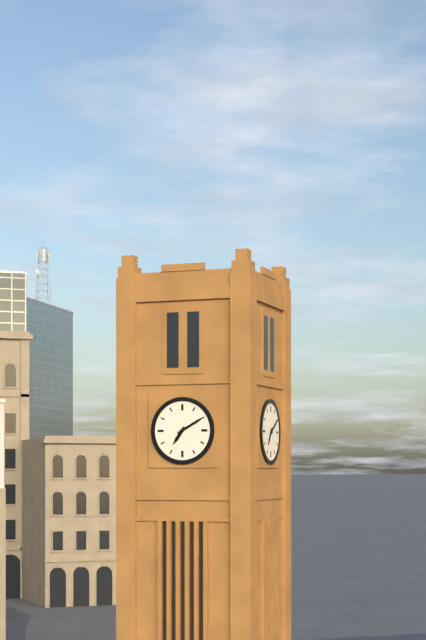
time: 7:10
